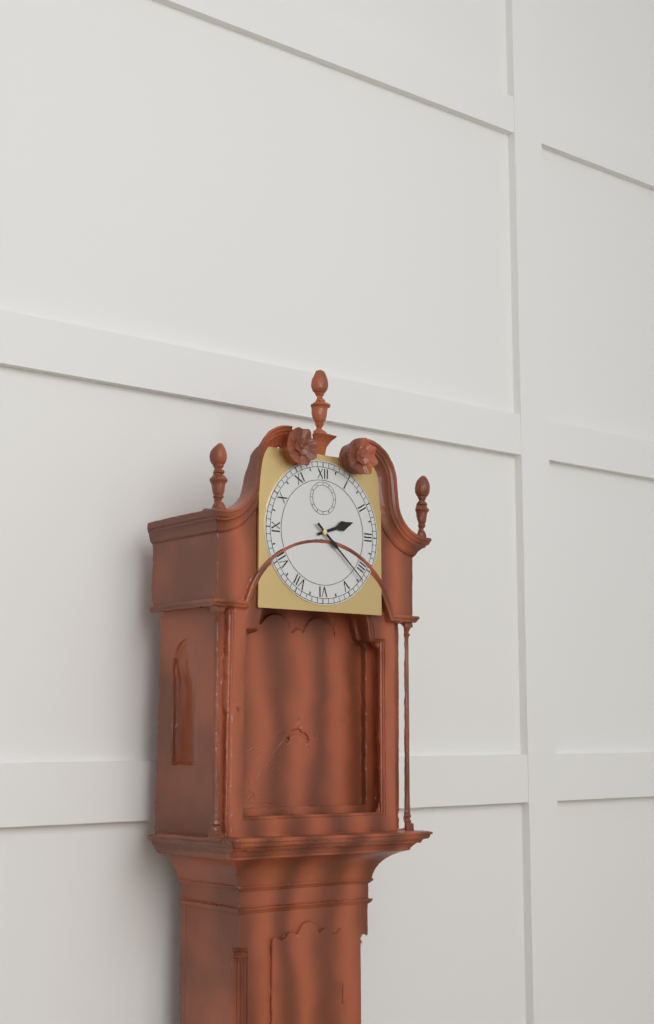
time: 2:22
